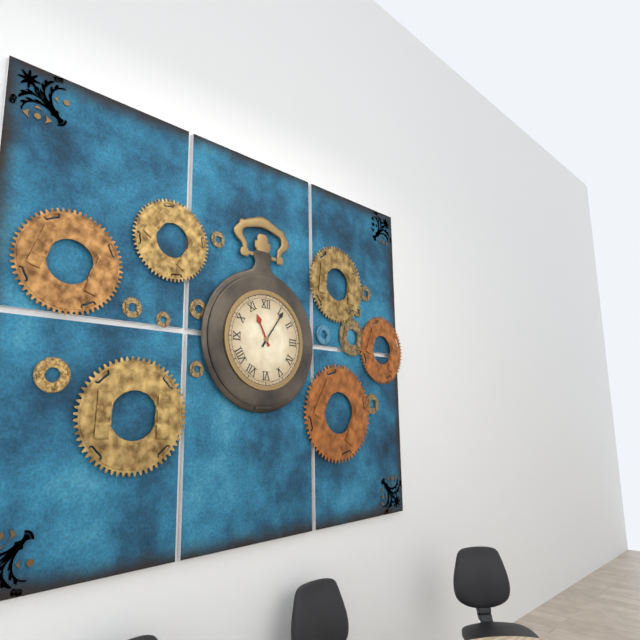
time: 11:06
